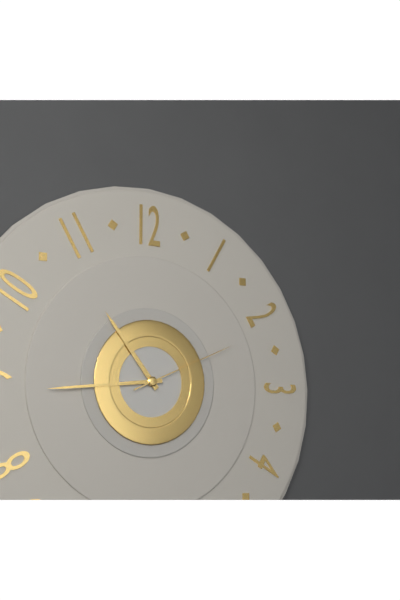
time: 10:44:11
